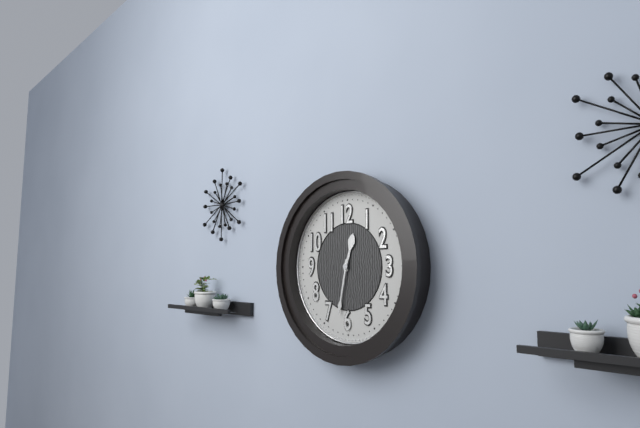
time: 12:32
